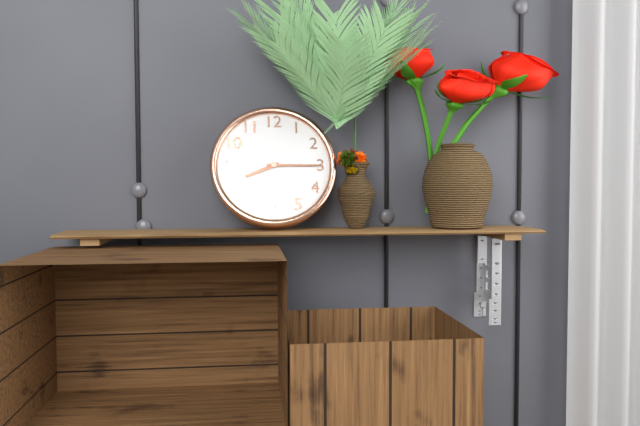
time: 8:15
